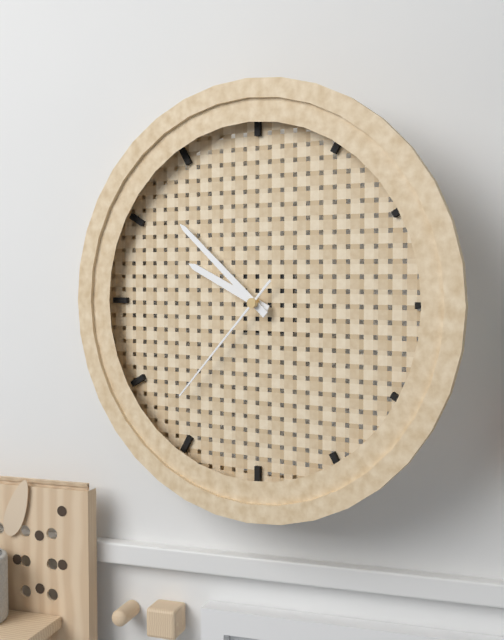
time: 9:52:37
